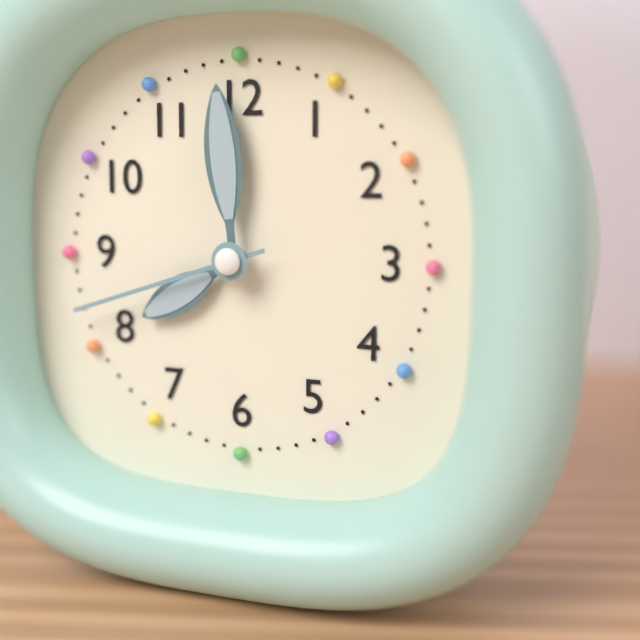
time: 7:59:42
